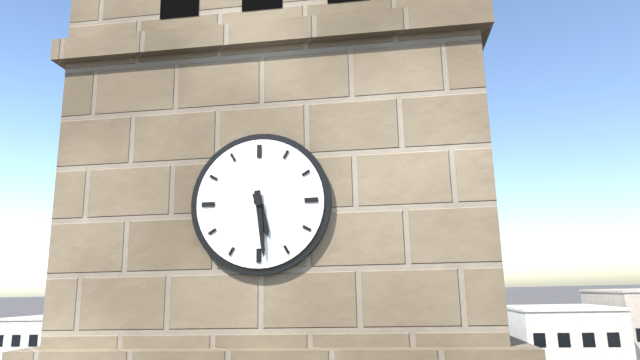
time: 5:29
